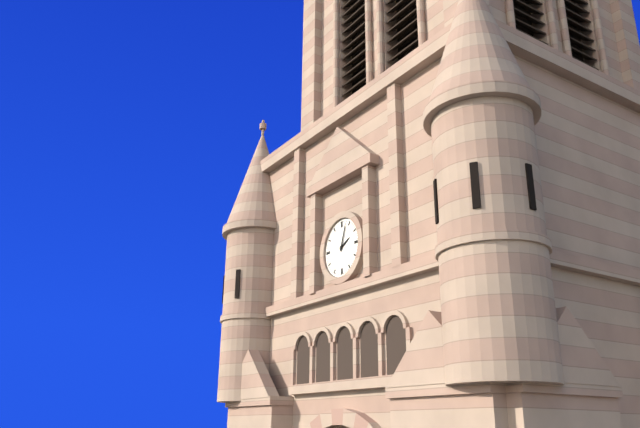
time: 2:03
